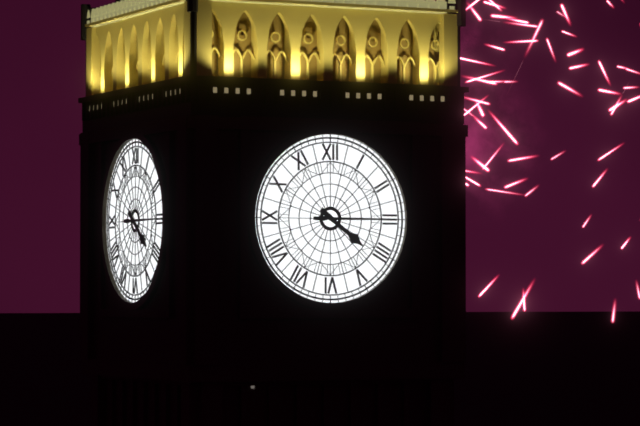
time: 4:15
